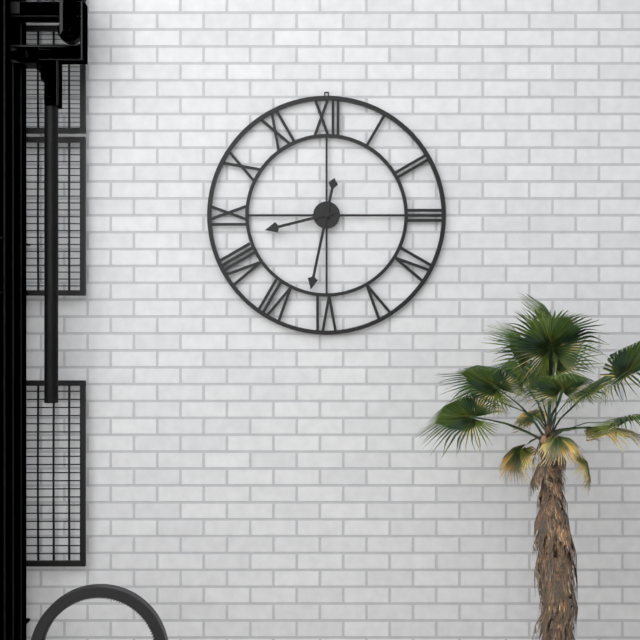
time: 8:32
